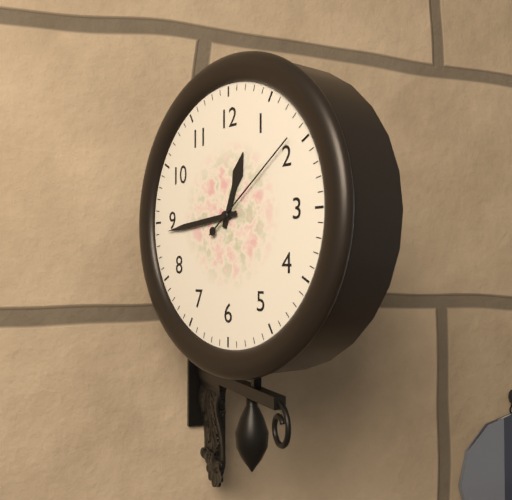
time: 12:44:09
